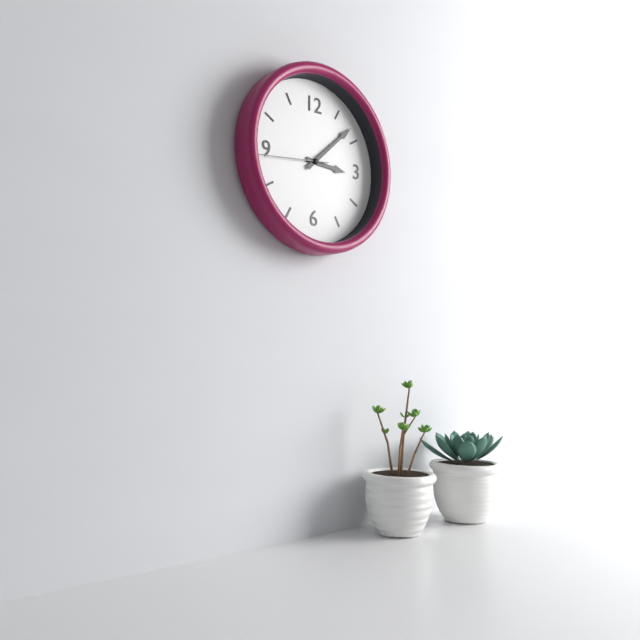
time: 3:08:44
